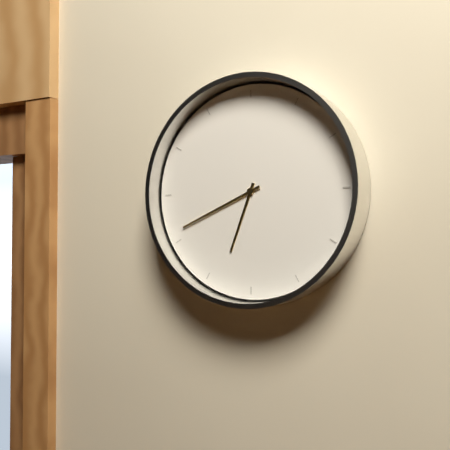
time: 6:41
